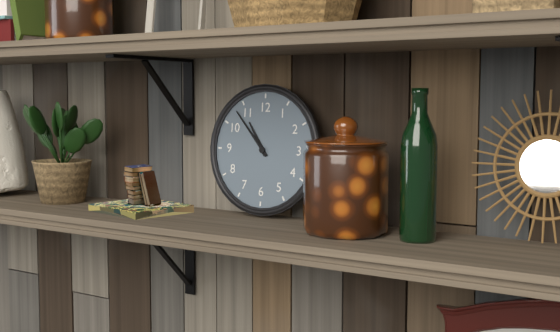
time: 10:53
